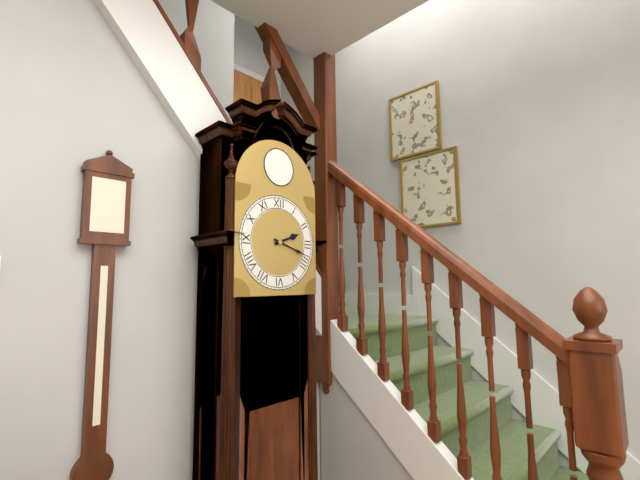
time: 2:18
